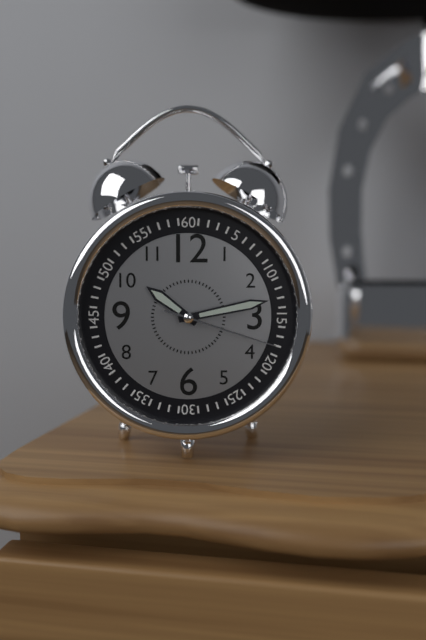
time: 10:13:18
